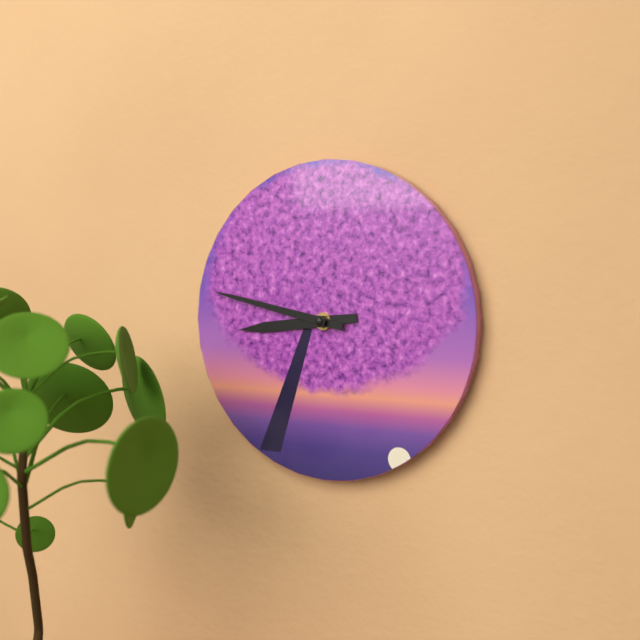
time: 8:47
